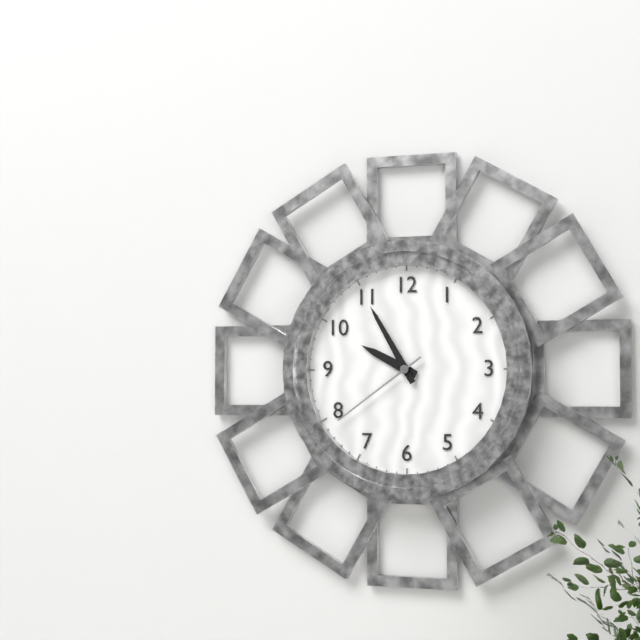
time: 9:55:39
